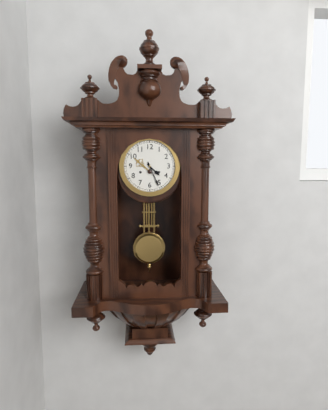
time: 4:26
